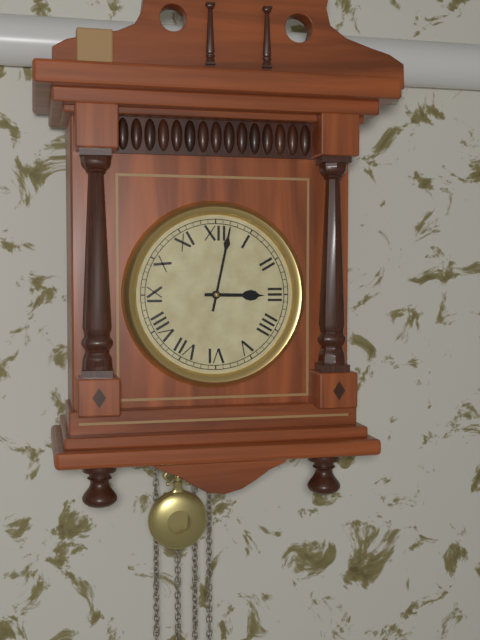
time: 3:02
